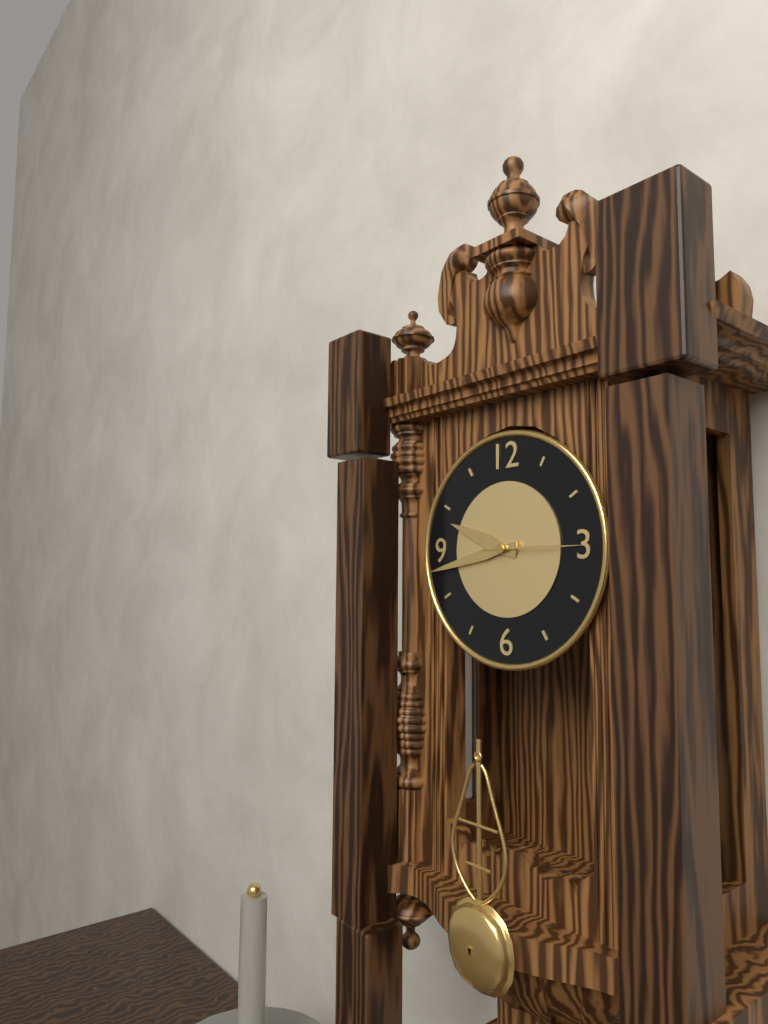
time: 9:43:15
